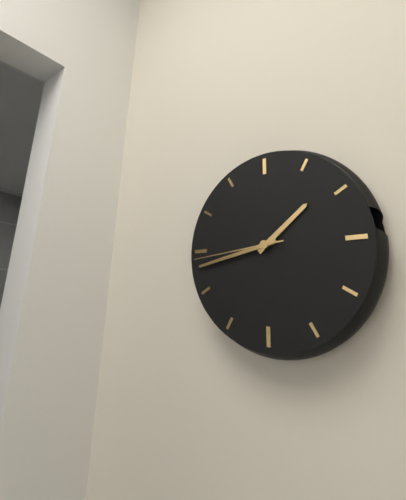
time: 1:43:44
